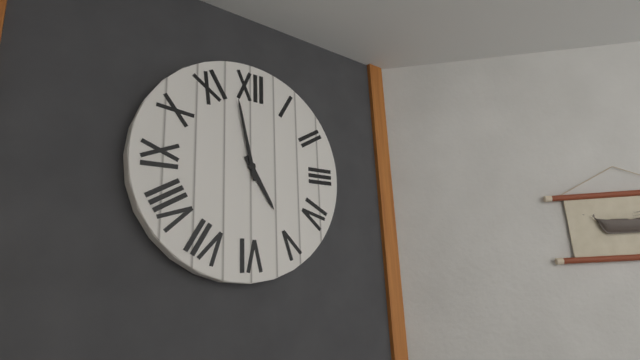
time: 4:58
